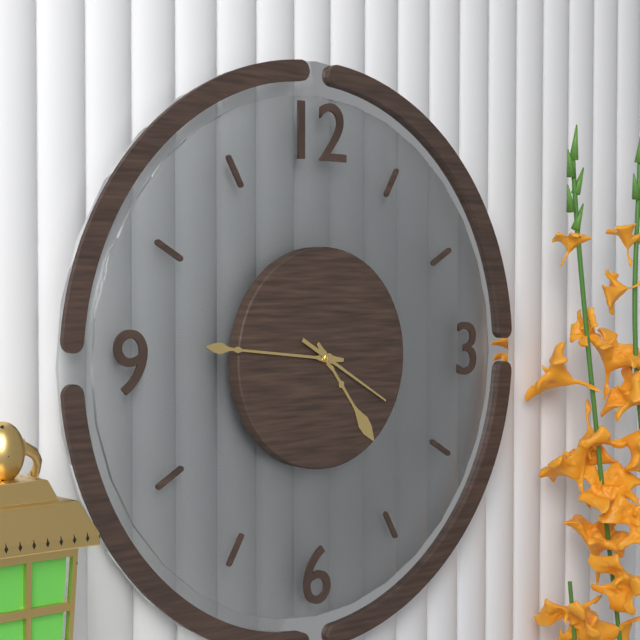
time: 4:46:20
